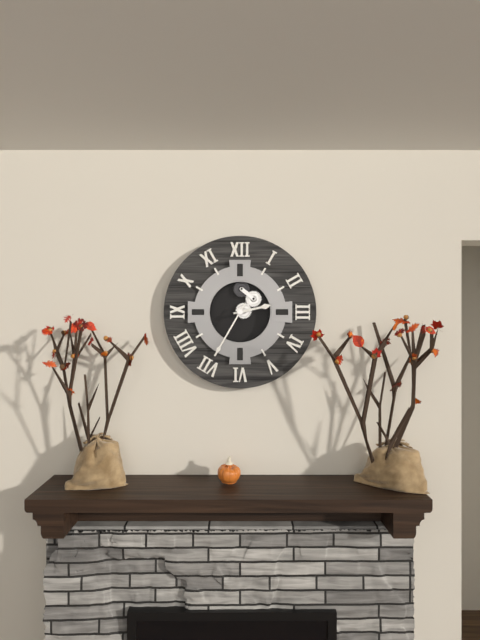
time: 2:35
